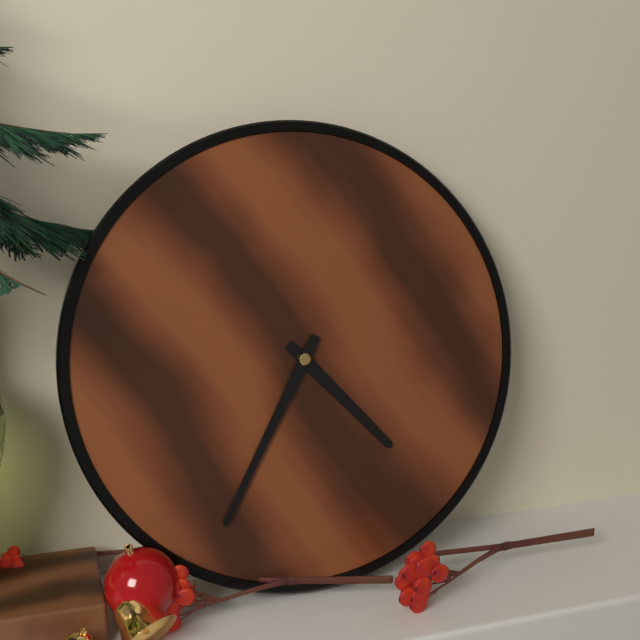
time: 4:35
